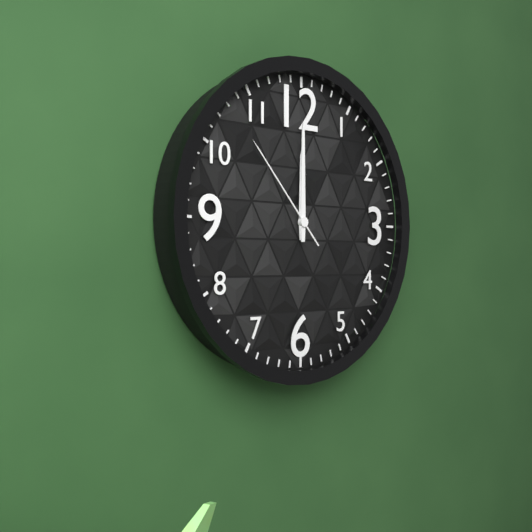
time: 12:00:53
